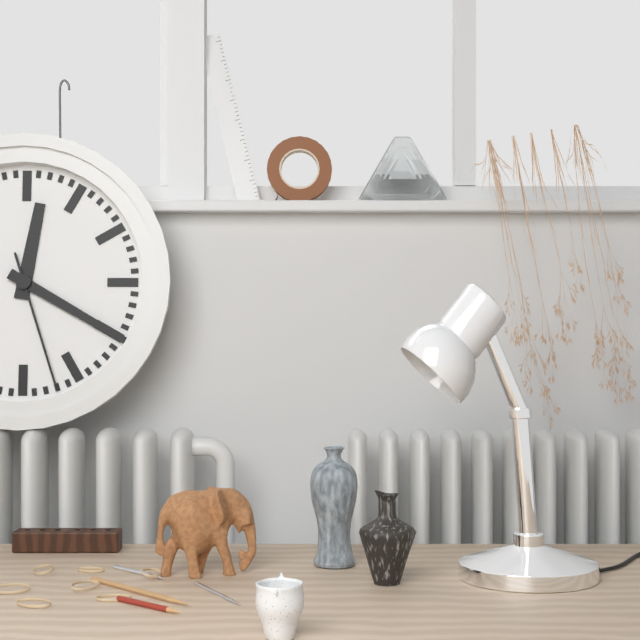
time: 12:20:27
